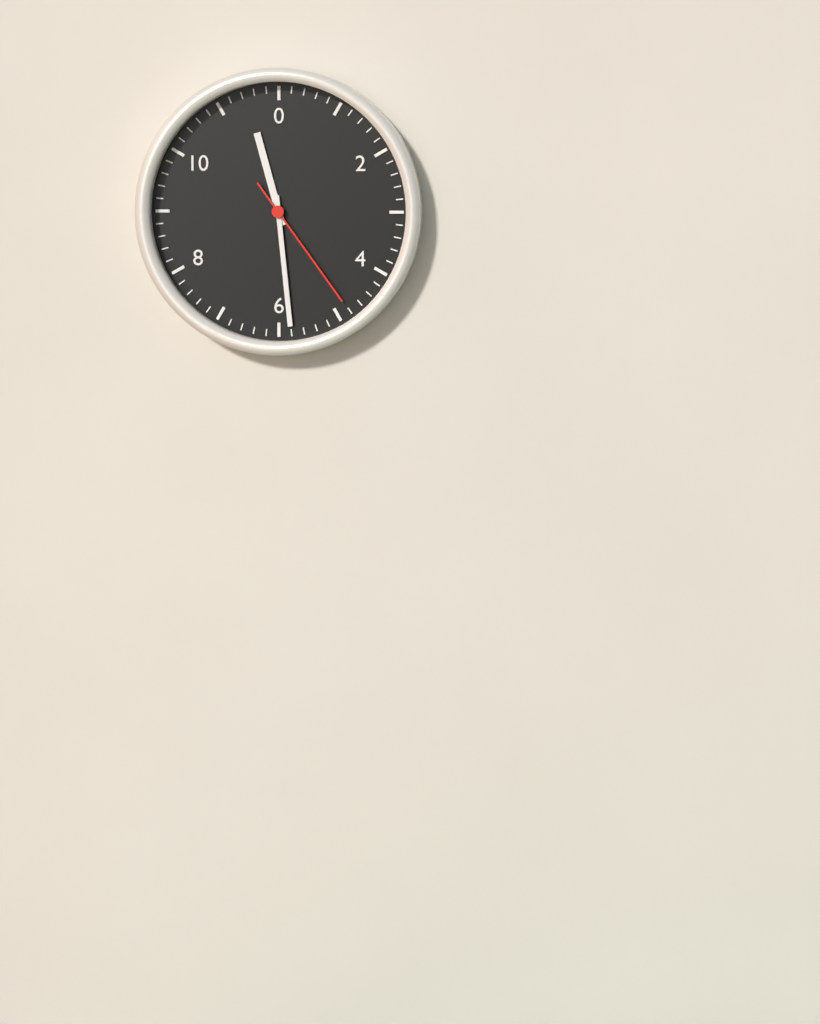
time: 11:29:24
